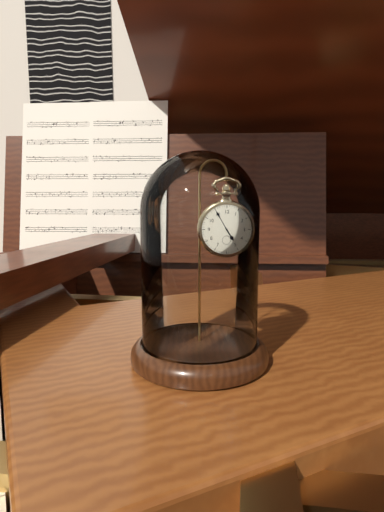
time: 4:55
